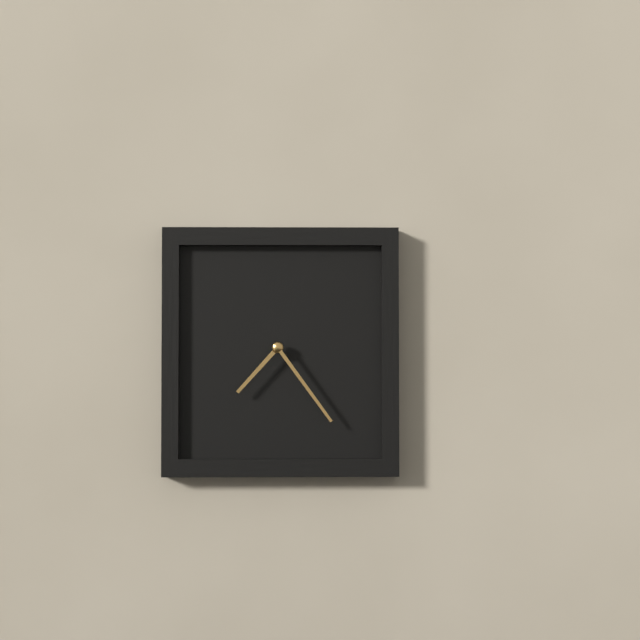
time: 7:24
